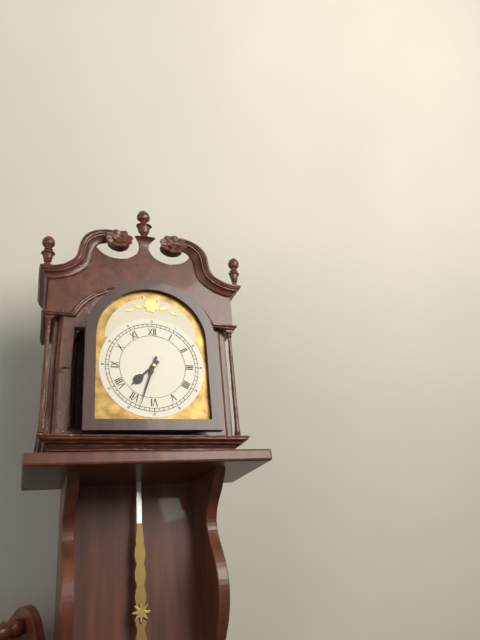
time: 7:33
